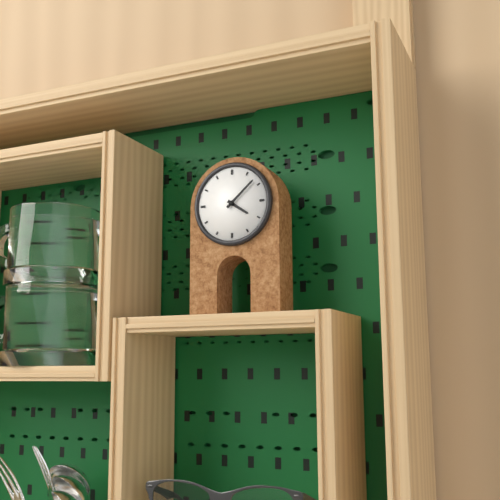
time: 4:08
